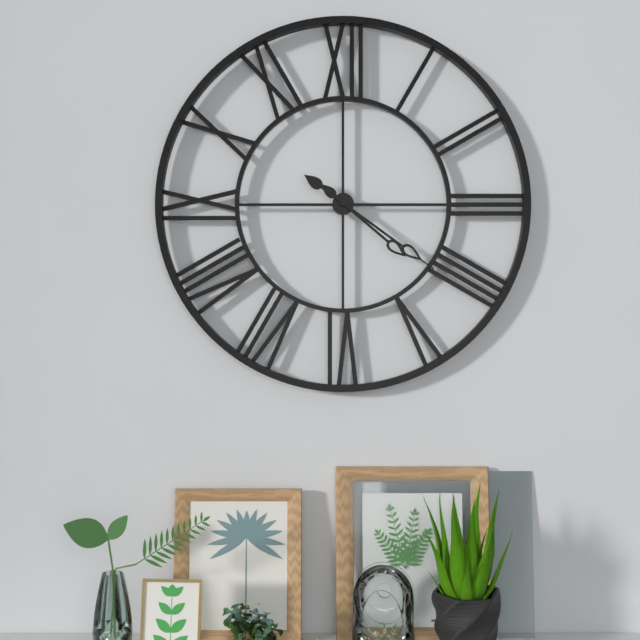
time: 4:21
